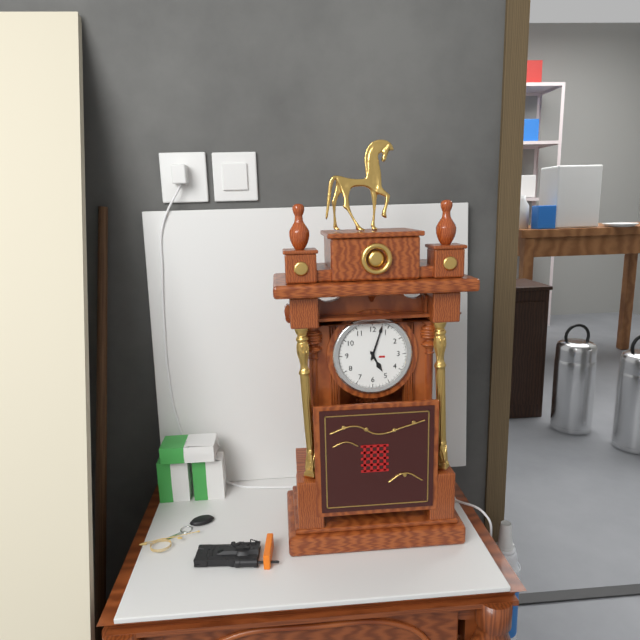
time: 5:03
